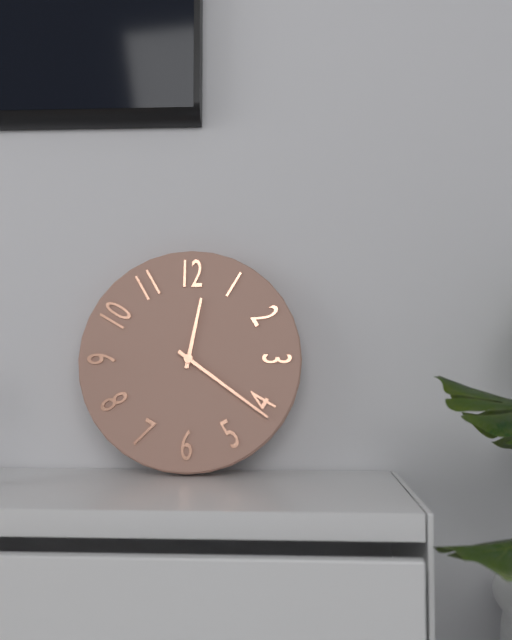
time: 12:21
